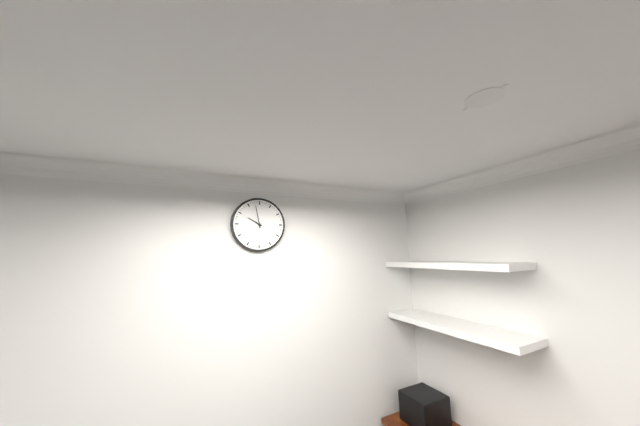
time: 9:58
